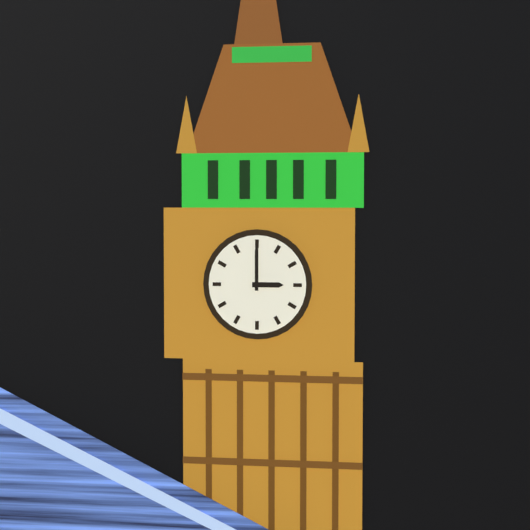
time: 3:00
